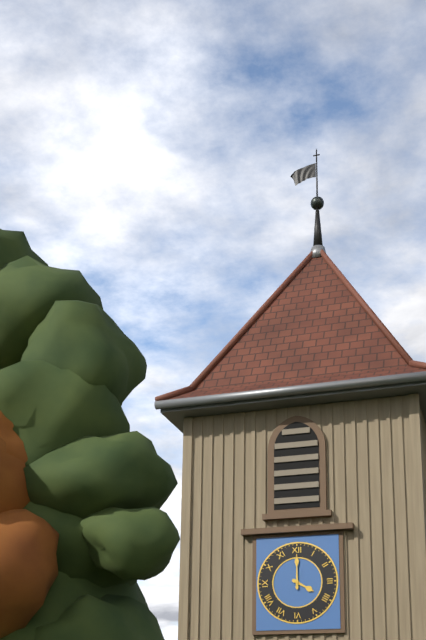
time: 4:00
